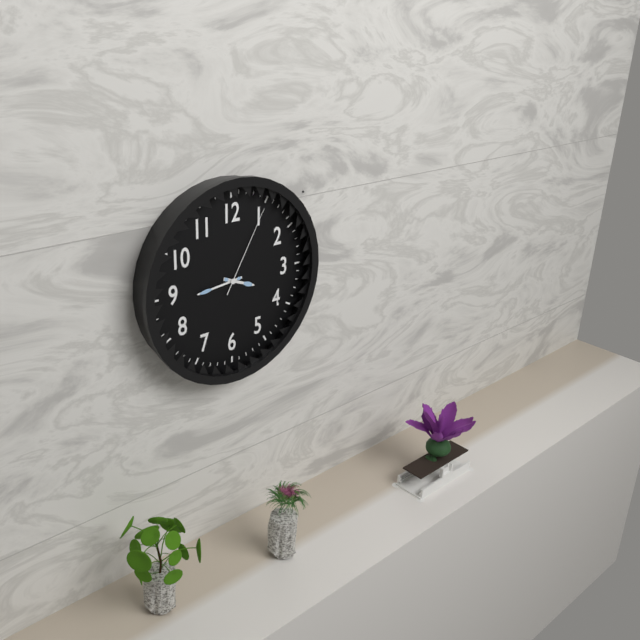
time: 3:44:05
